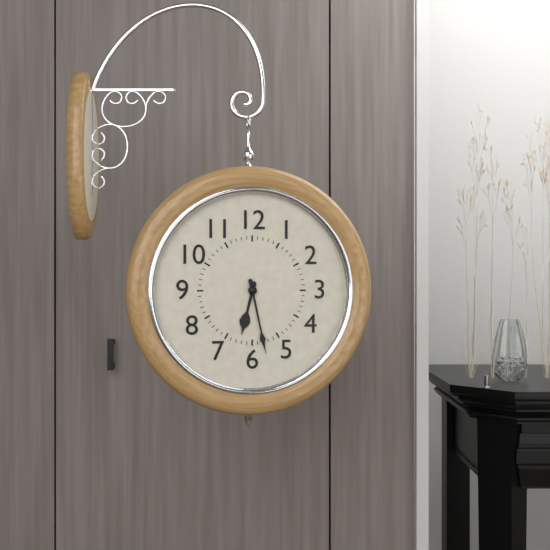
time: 6:28
